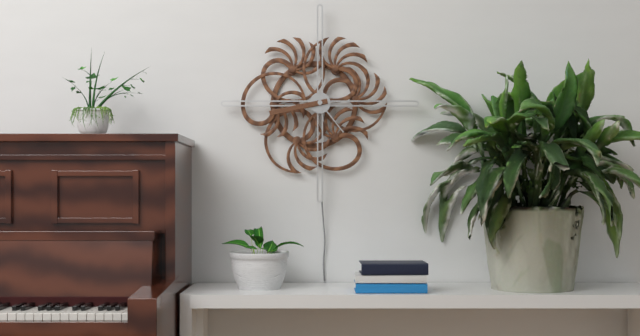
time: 4:43
